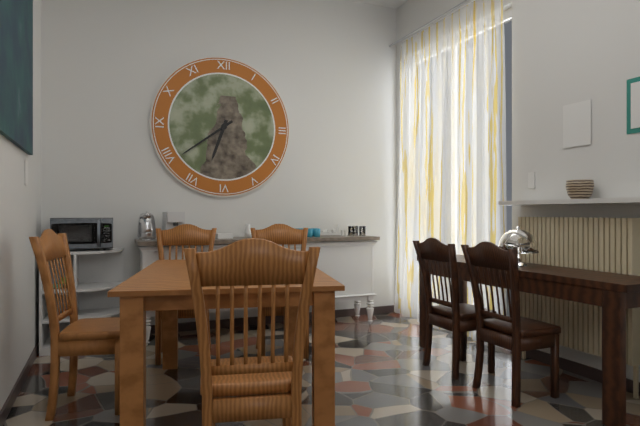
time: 6:39
